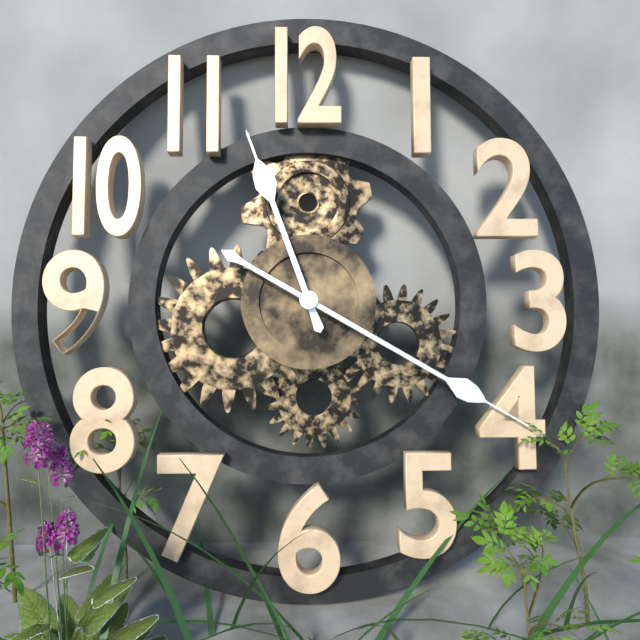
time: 11:20
